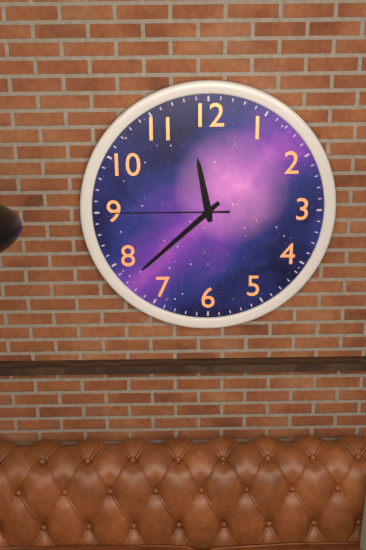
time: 11:38:45
